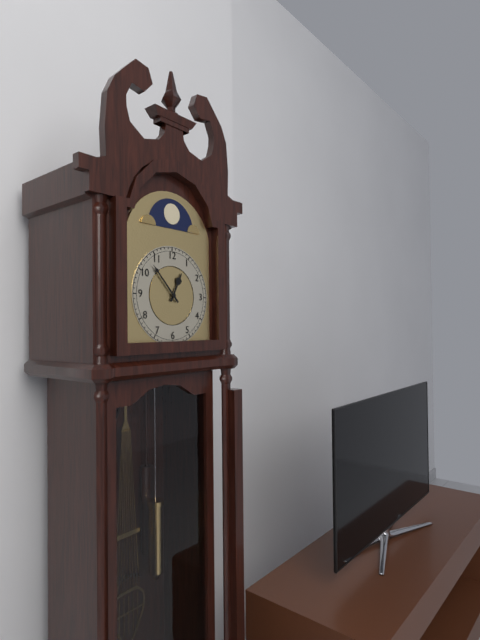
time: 12:53
